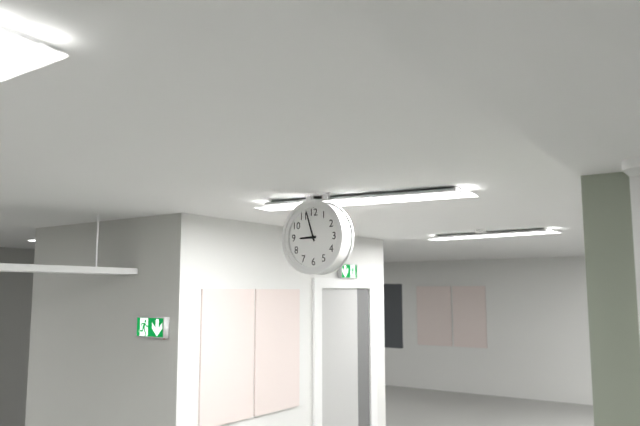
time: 8:57
